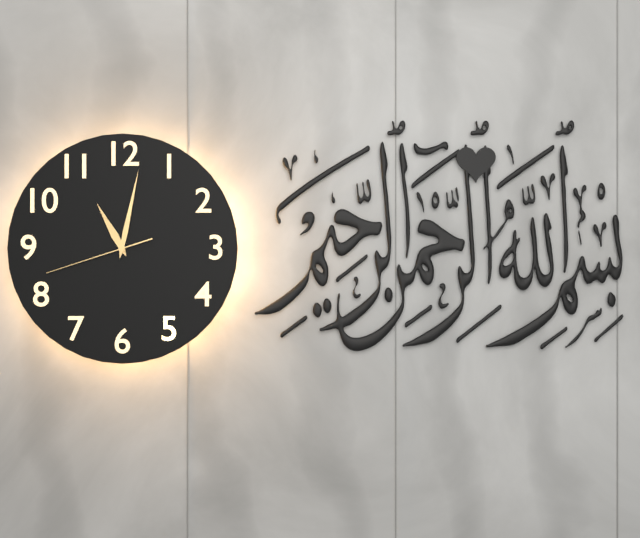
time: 11:02:42
